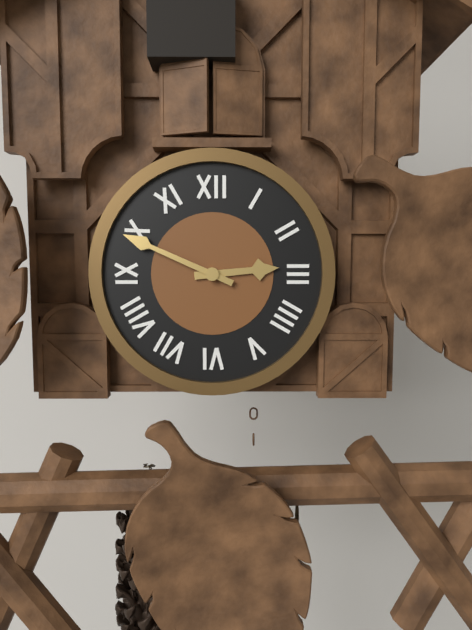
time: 2:49
